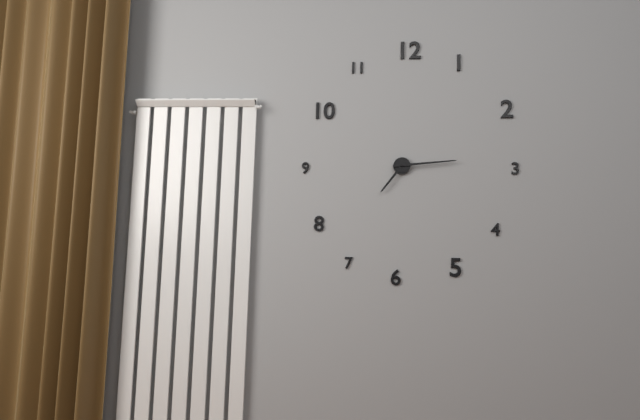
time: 7:14
